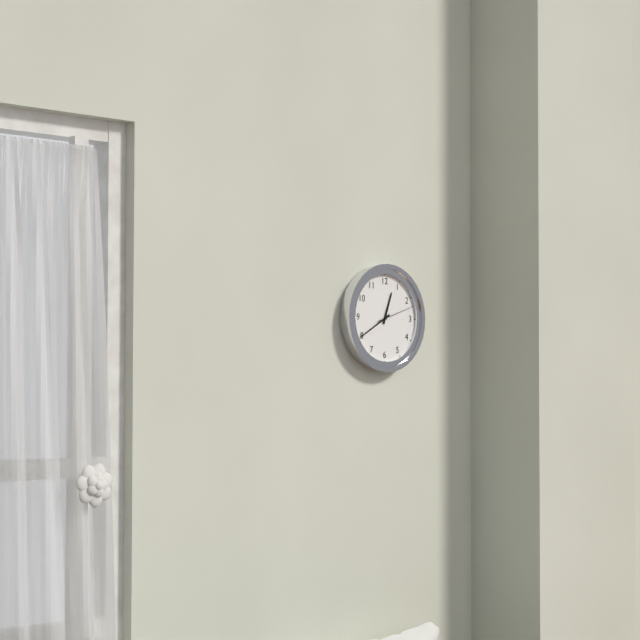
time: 12:40
